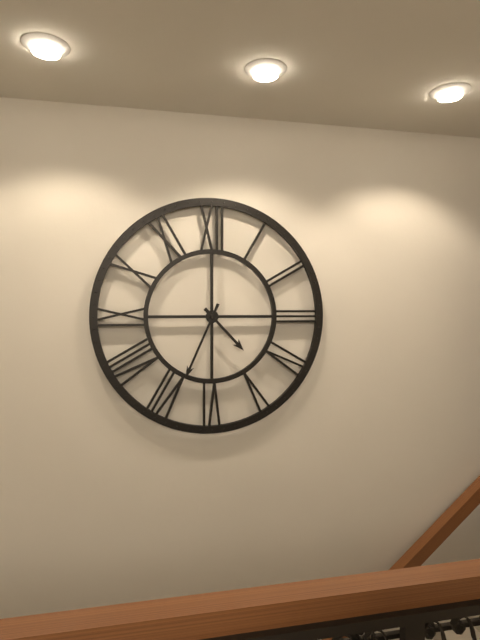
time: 4:34
